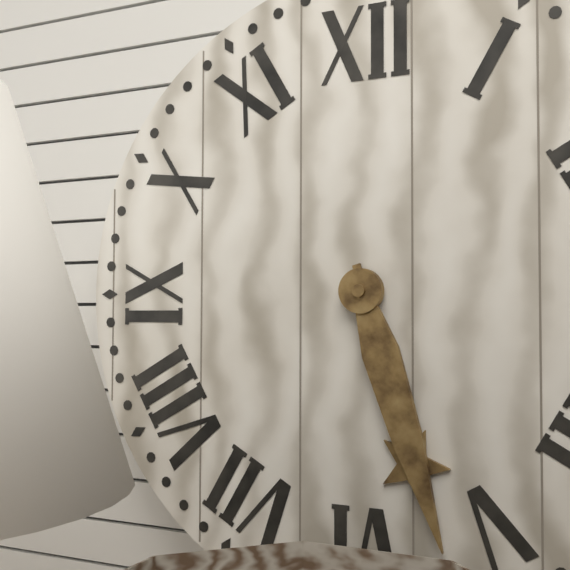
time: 5:27
